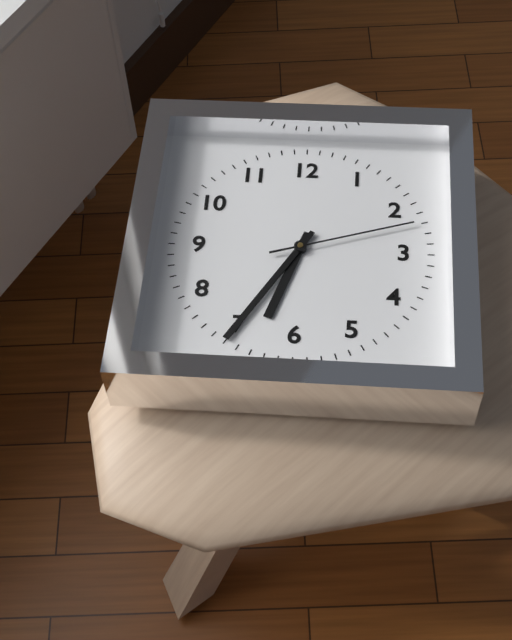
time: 6:35:12
